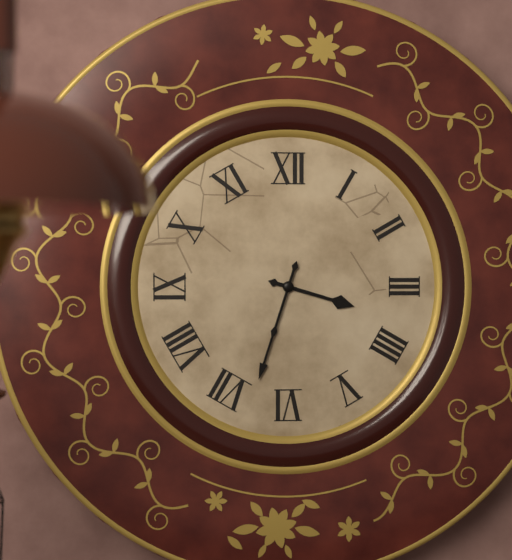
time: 3:33
